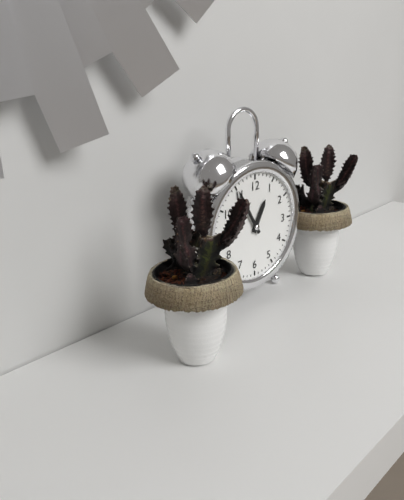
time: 12:55
